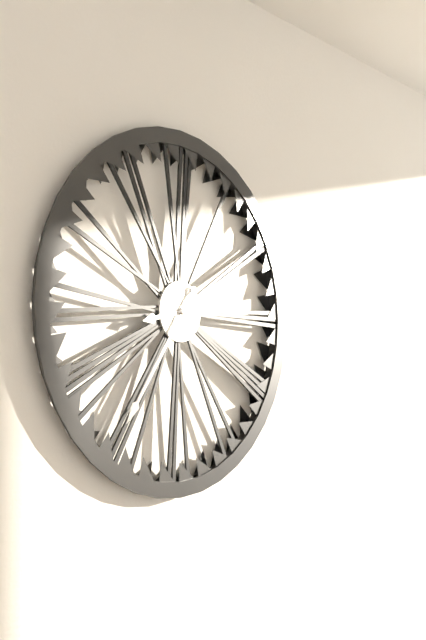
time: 8:36
